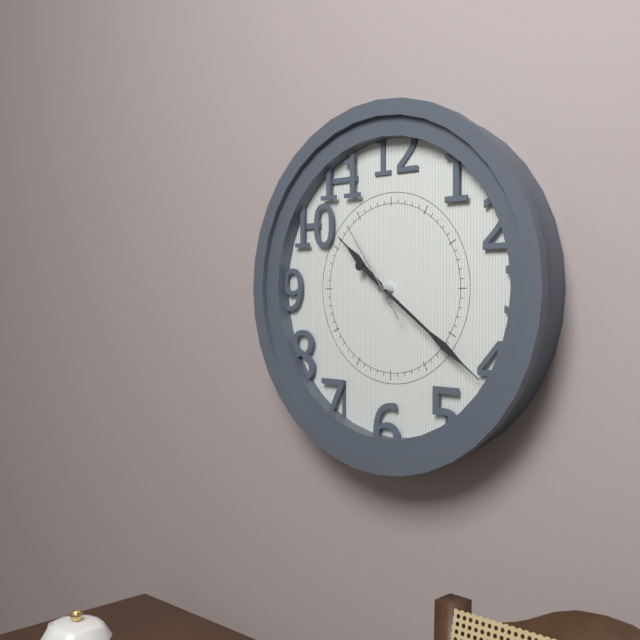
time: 10:21:54
